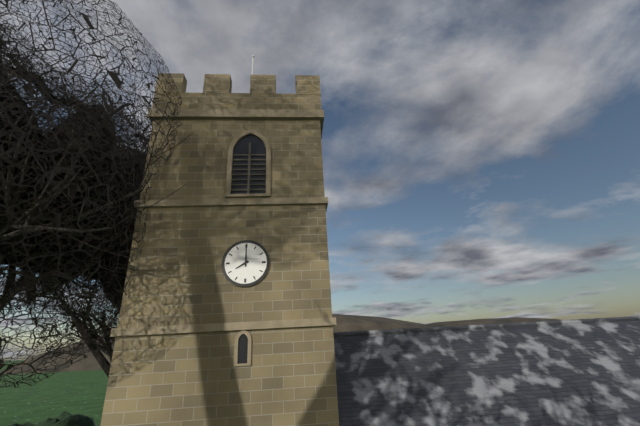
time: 8:00
